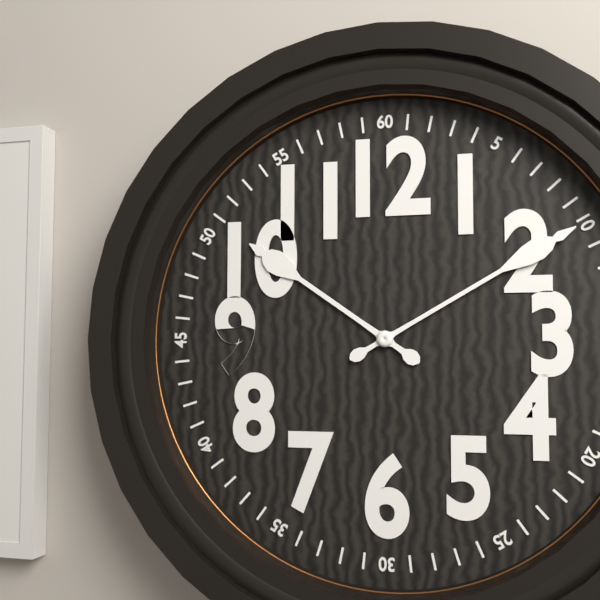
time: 10:10
